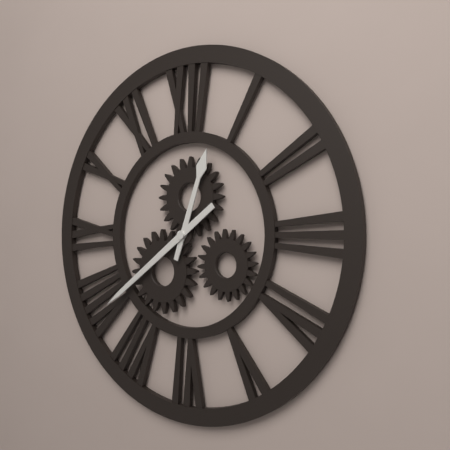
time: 12:39
